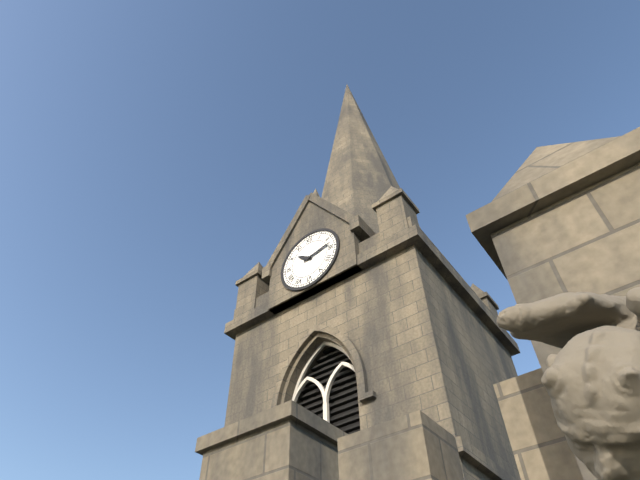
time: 10:13
